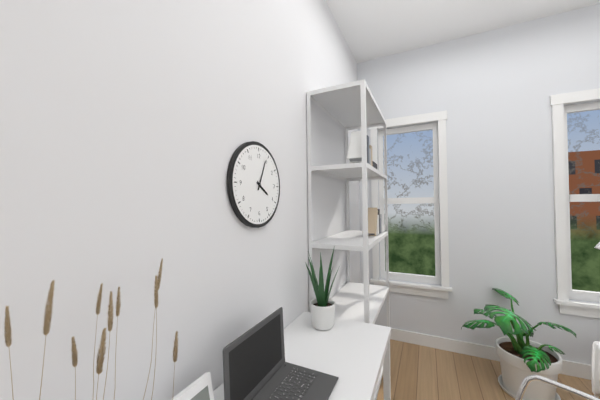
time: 4:04
